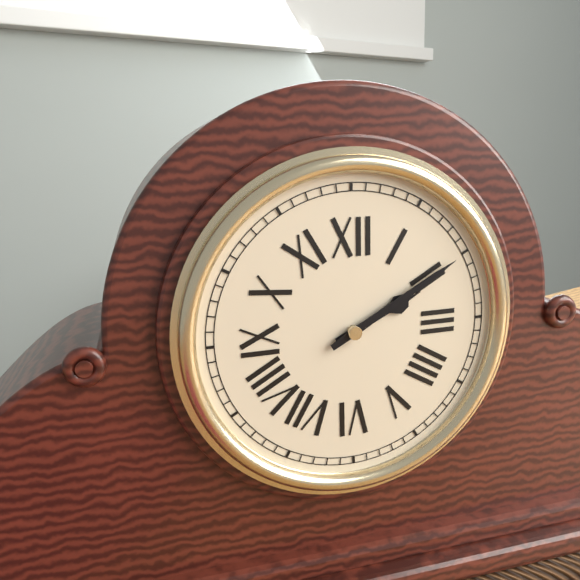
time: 2:10
